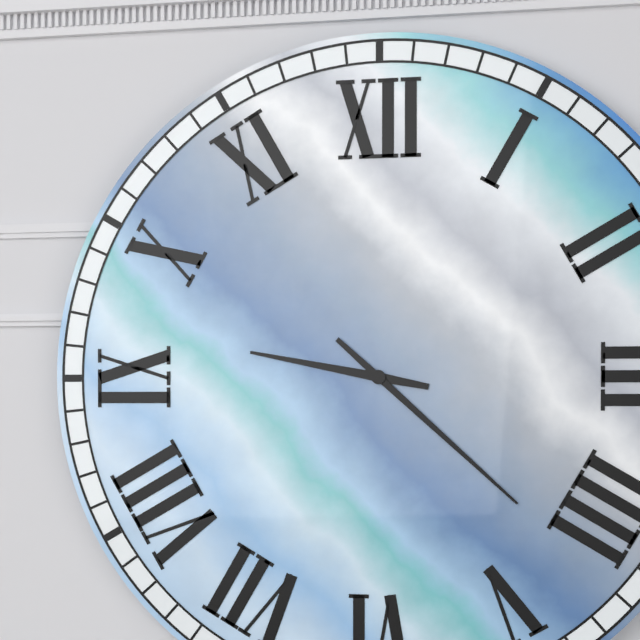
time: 9:22
